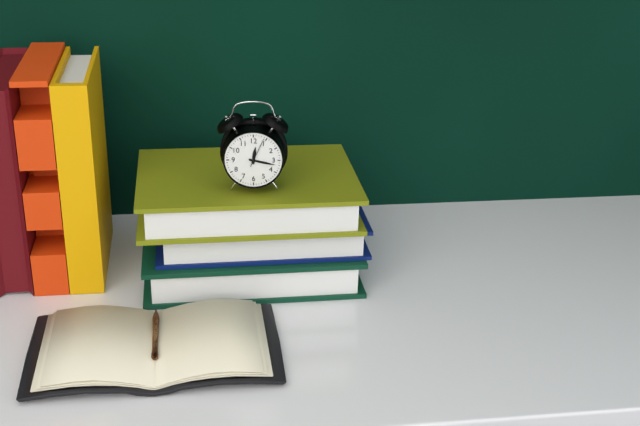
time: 12:17
